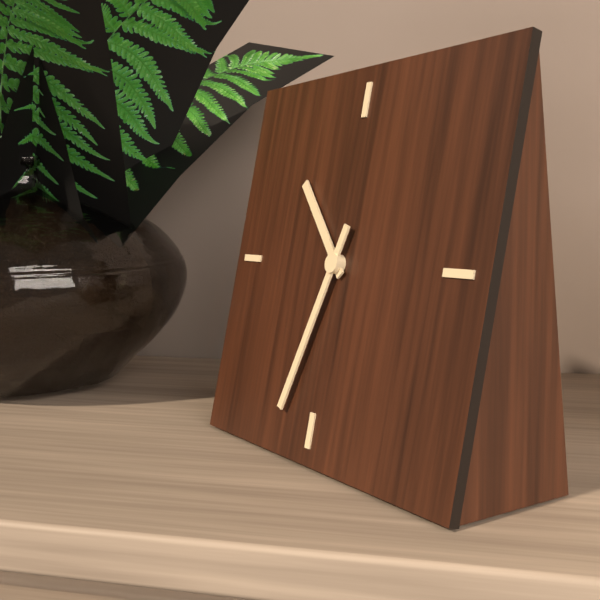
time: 10:33
